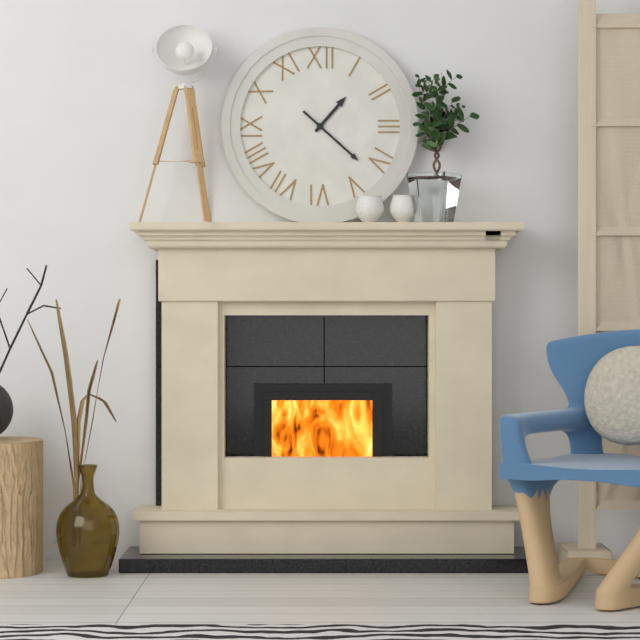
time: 1:22
